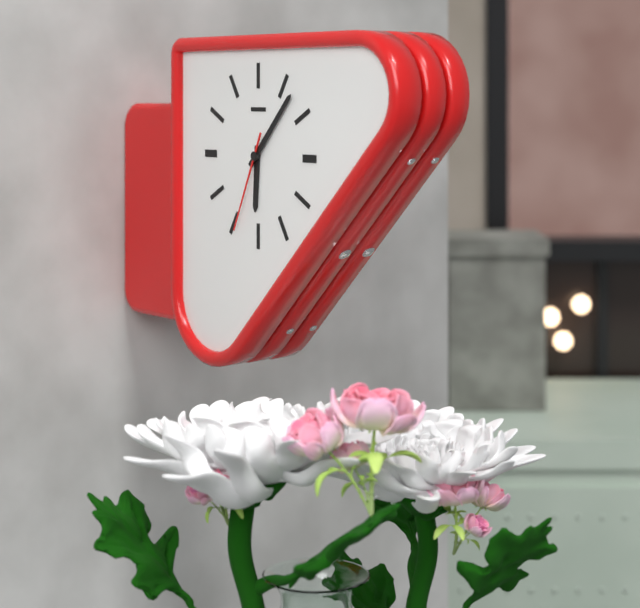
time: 6:07:34
